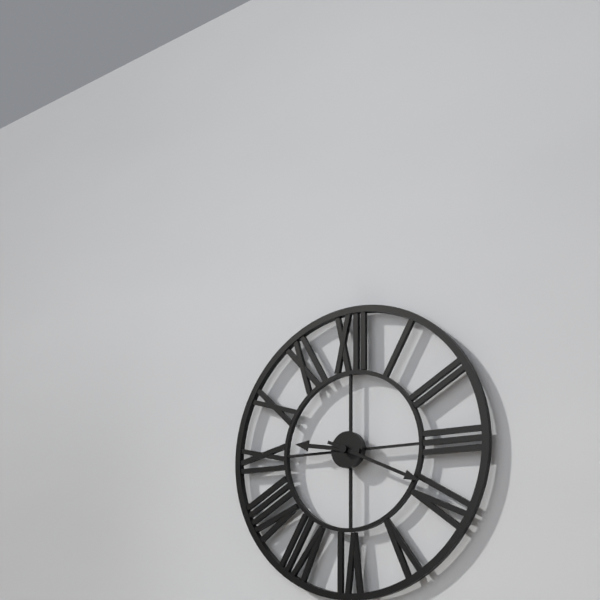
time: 9:19
